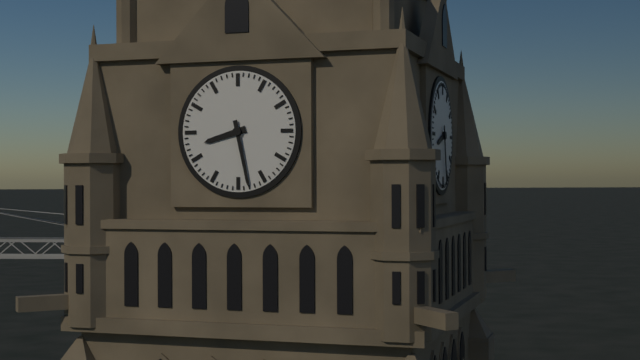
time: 8:28
